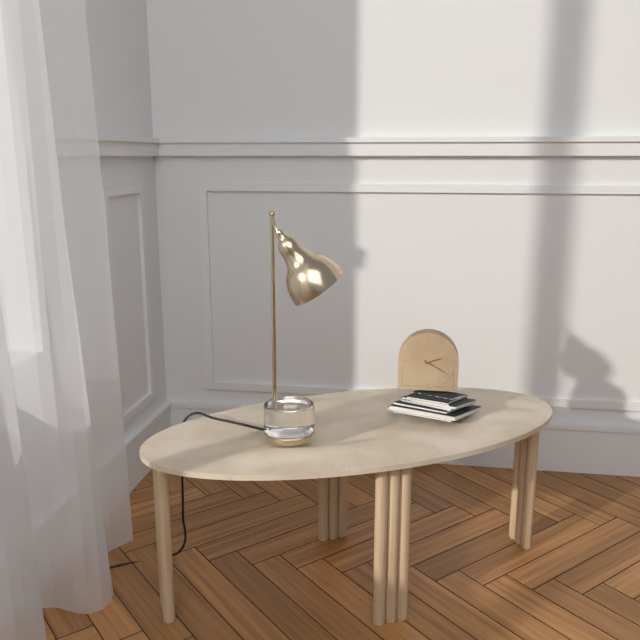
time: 2:20
